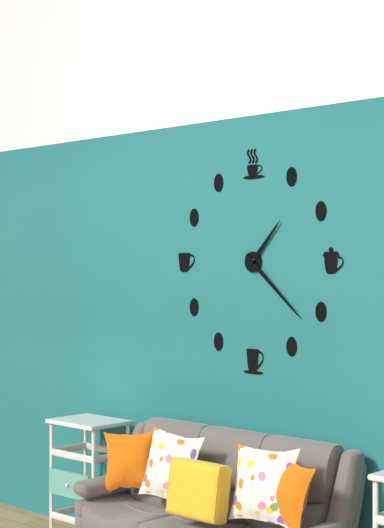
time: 1:22
